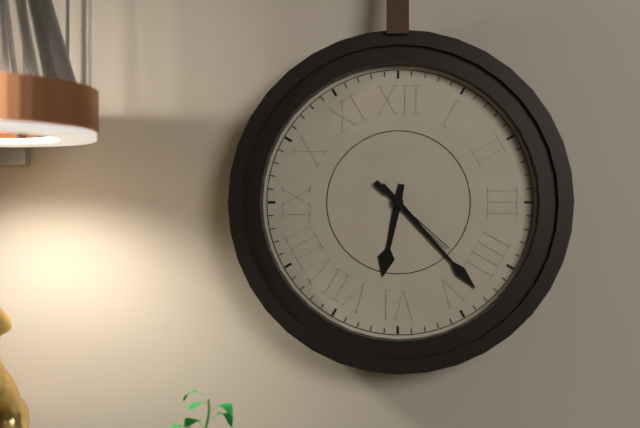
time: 6:23:22
